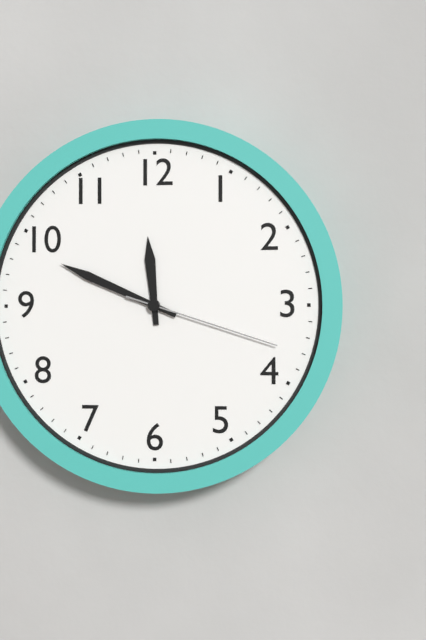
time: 11:49:18
